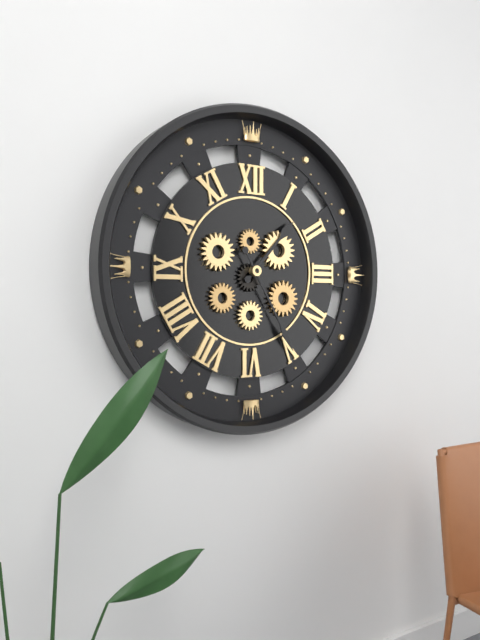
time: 1:25
